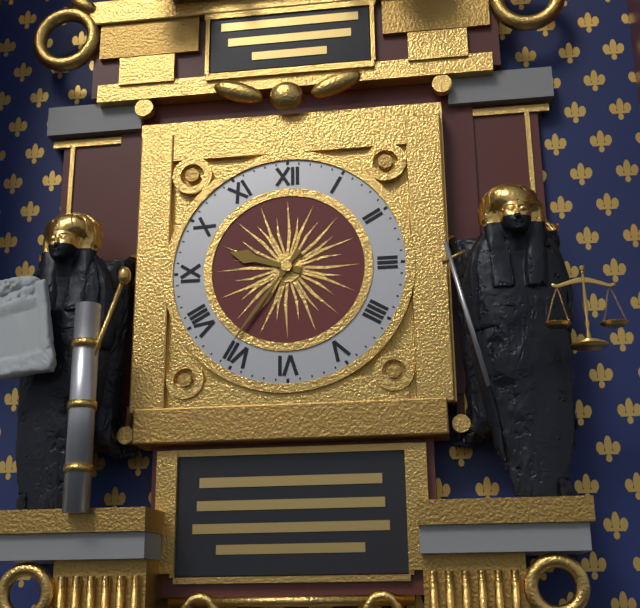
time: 9:36
